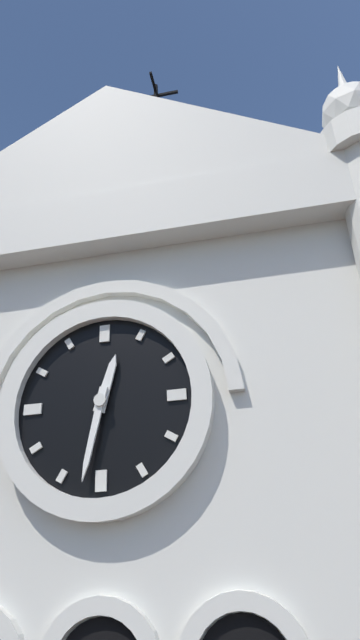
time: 12:32
